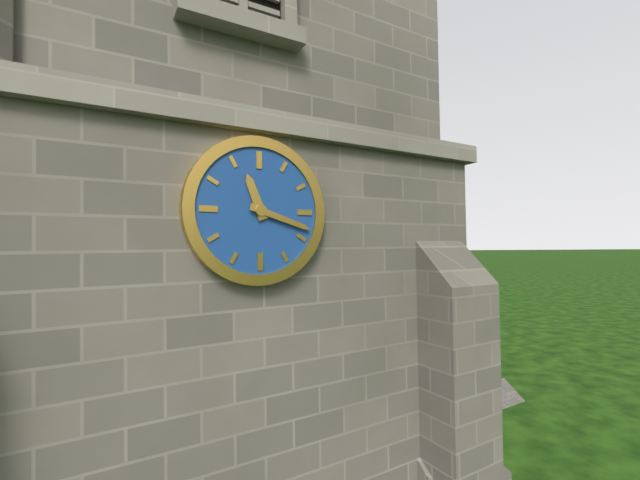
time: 11:18
